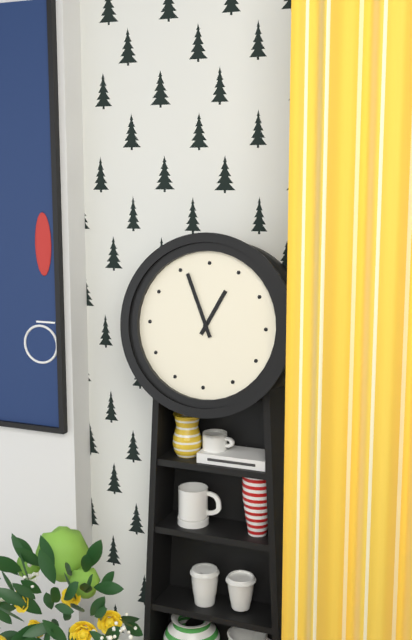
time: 12:56
